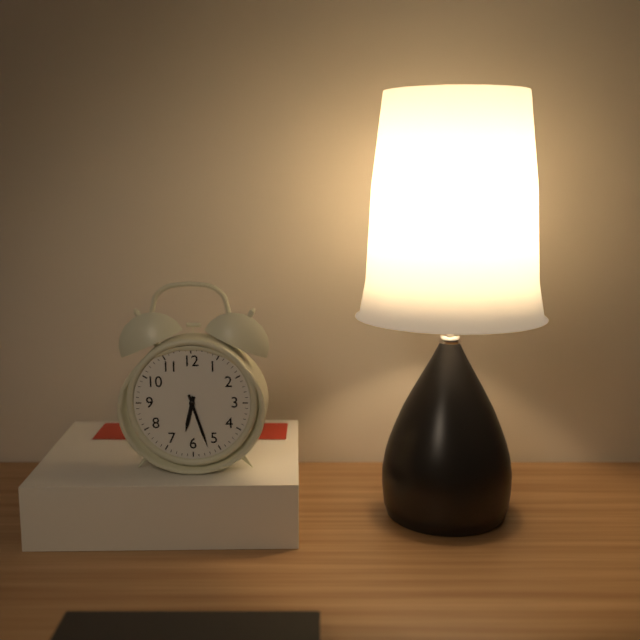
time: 6:27
